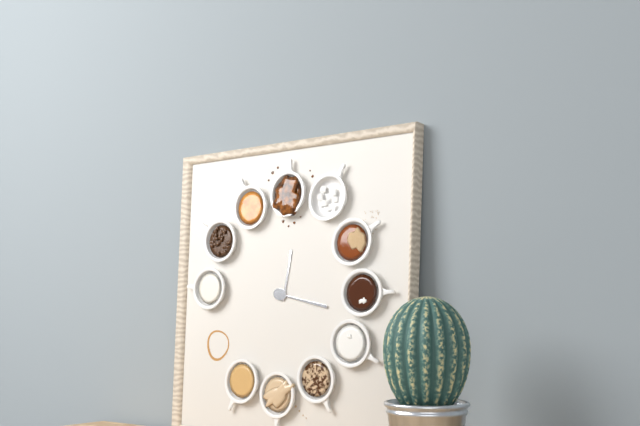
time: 12:17
